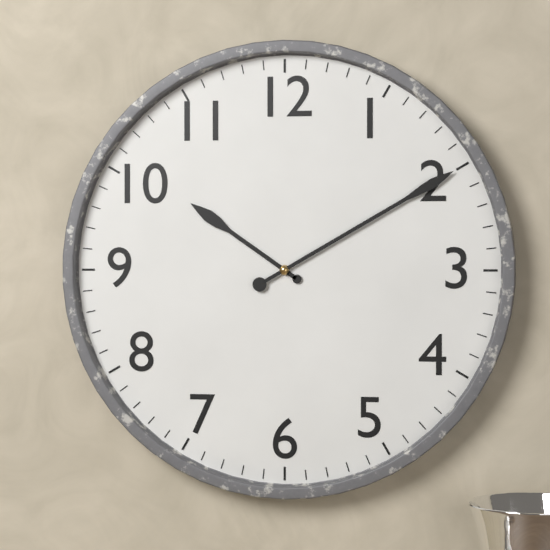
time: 10:10
